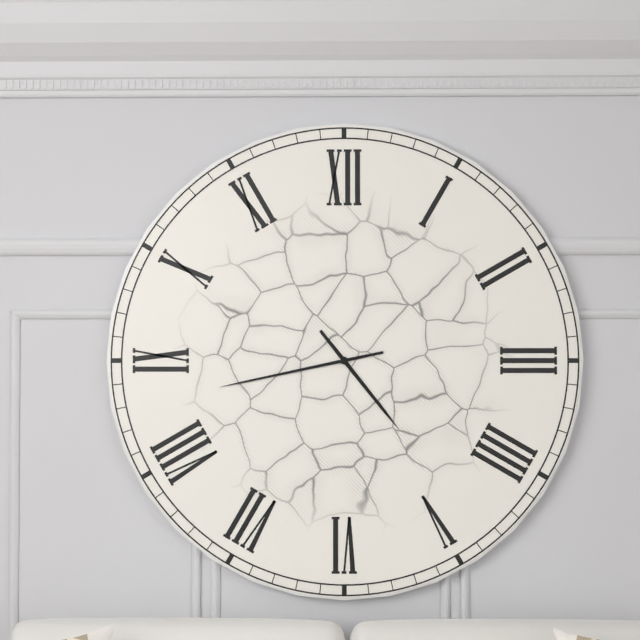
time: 4:43
